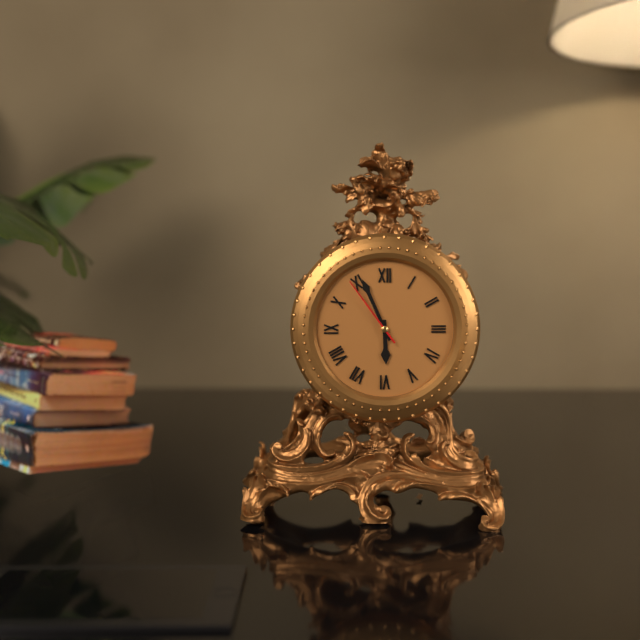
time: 5:56:54
